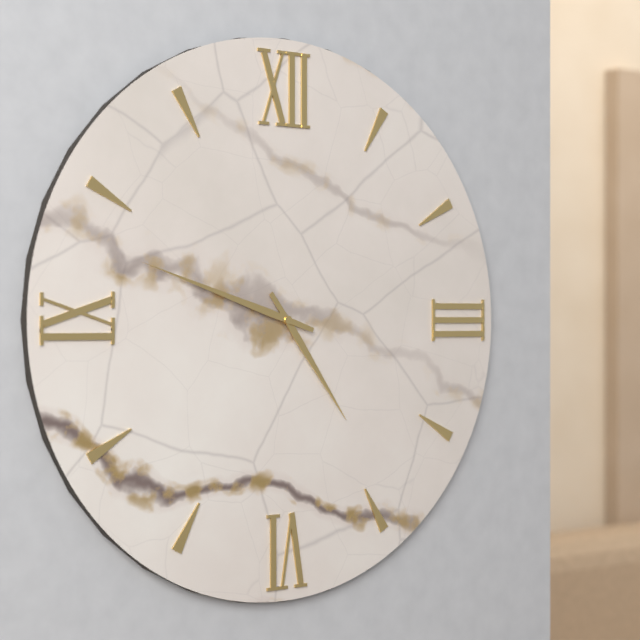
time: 4:48
